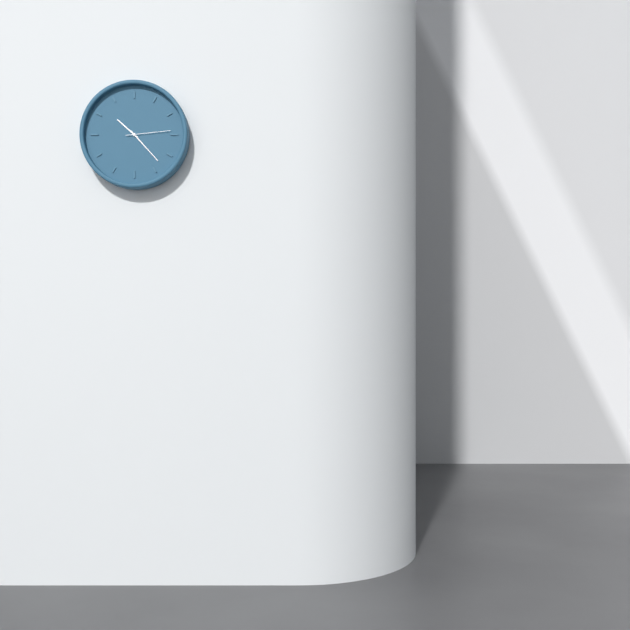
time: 10:23
